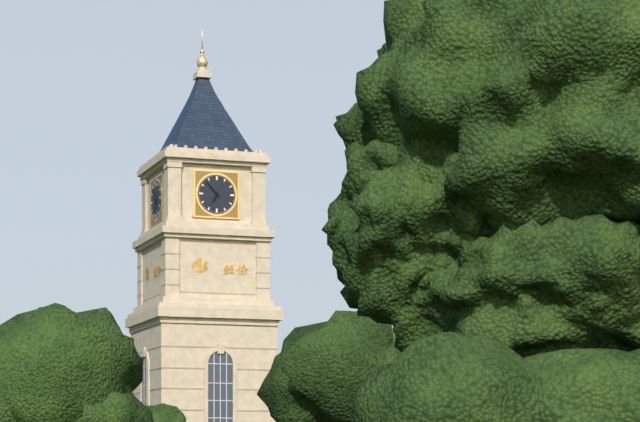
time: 6:53
